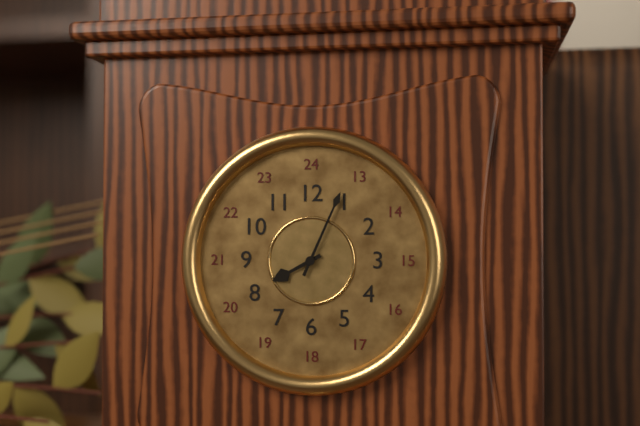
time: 8:04
